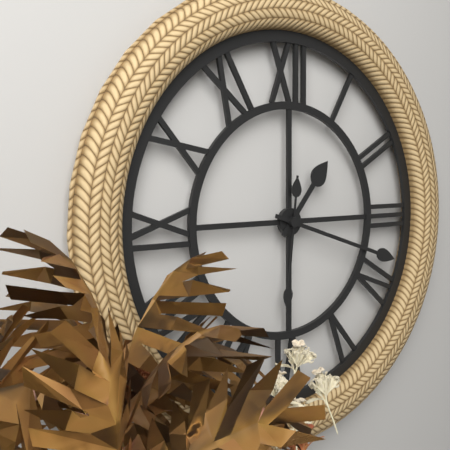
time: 1:18:31
